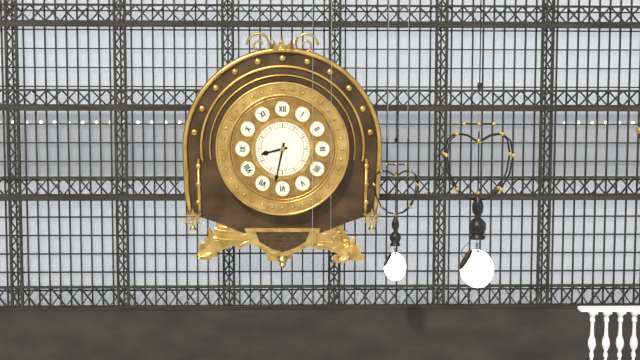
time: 8:32
